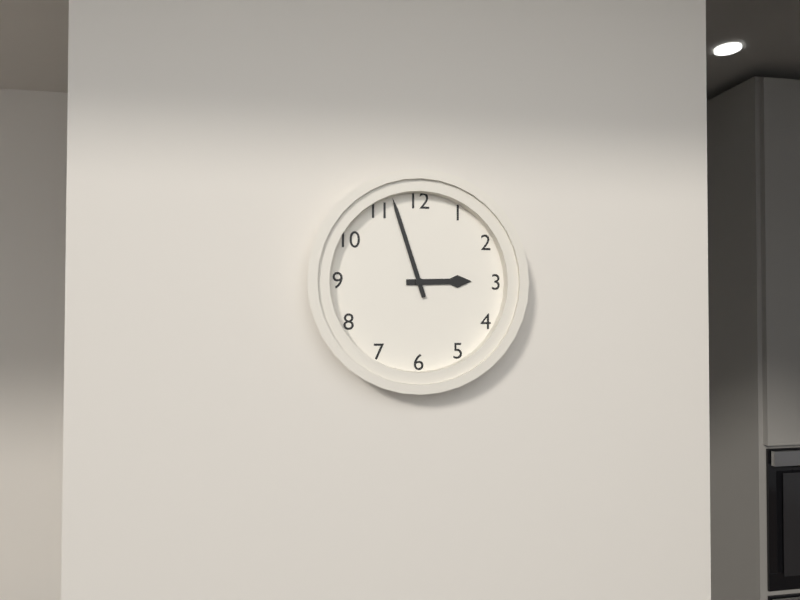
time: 2:57
